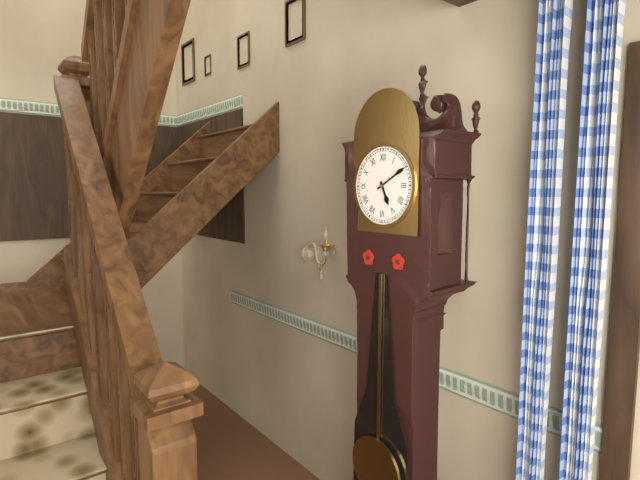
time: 5:10
